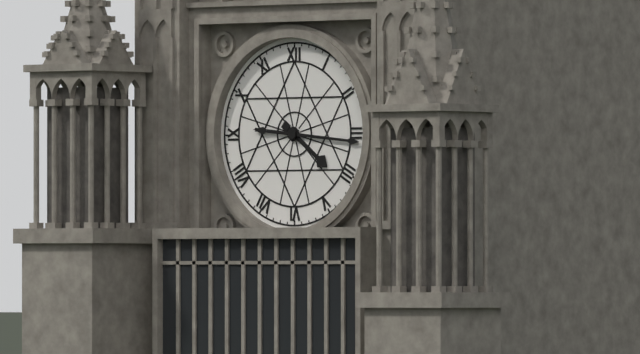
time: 4:16
